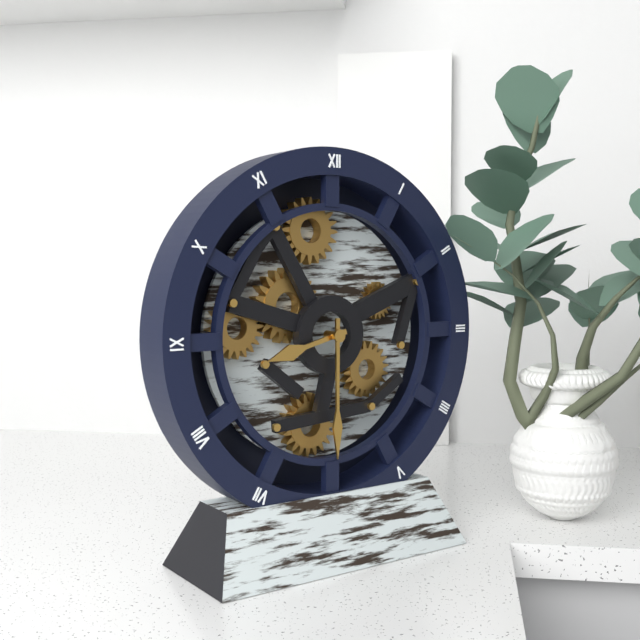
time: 8:30
